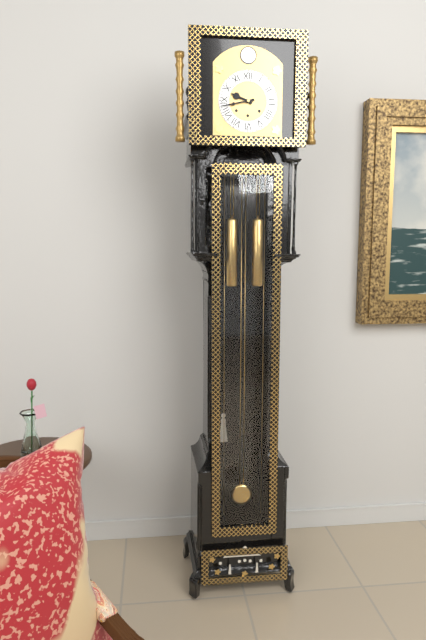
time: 9:43
